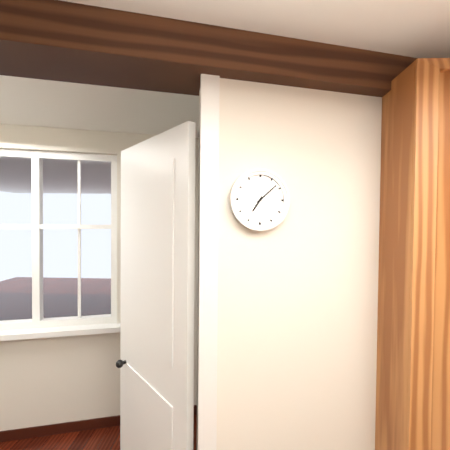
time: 7:08
